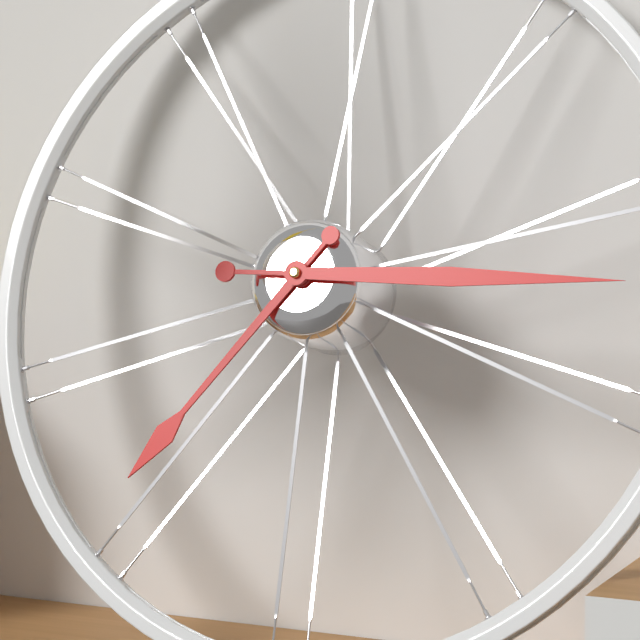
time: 7:15
